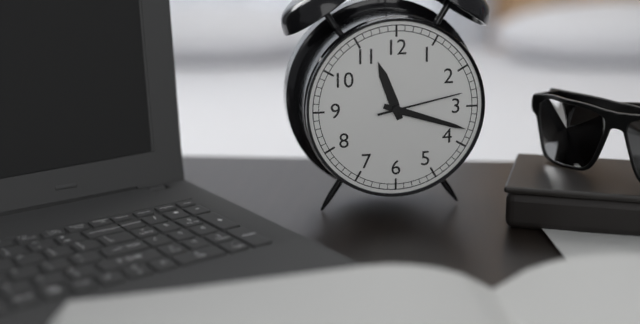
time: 11:18:13
